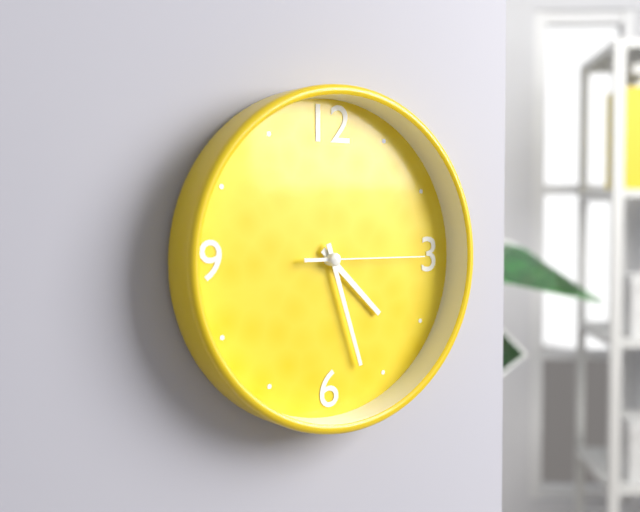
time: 4:27:15
